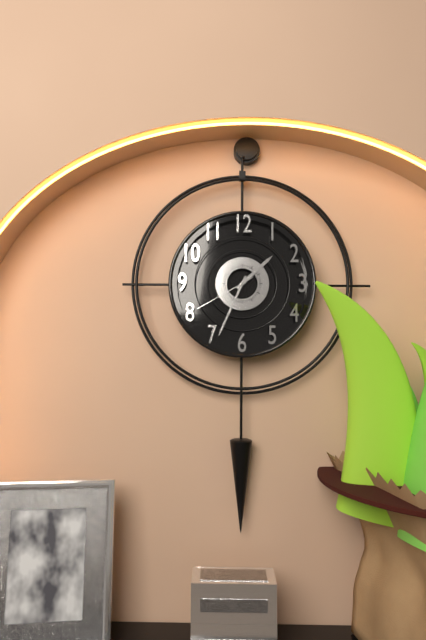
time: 1:34:40
